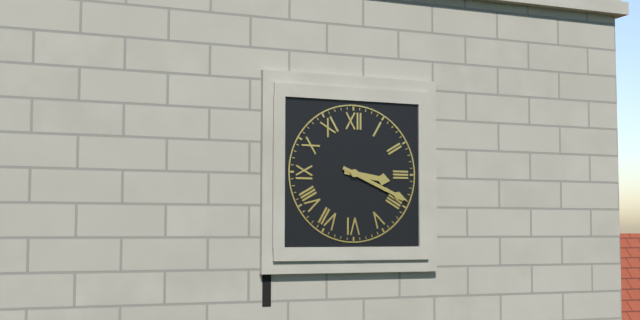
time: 3:19
